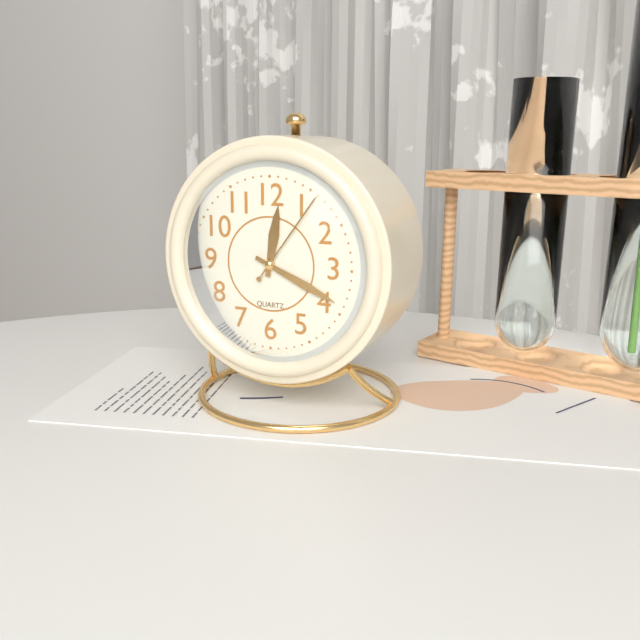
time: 12:19:06
